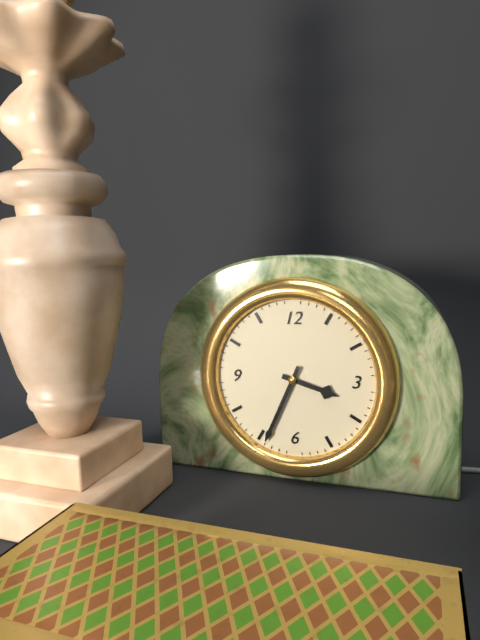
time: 3:34
